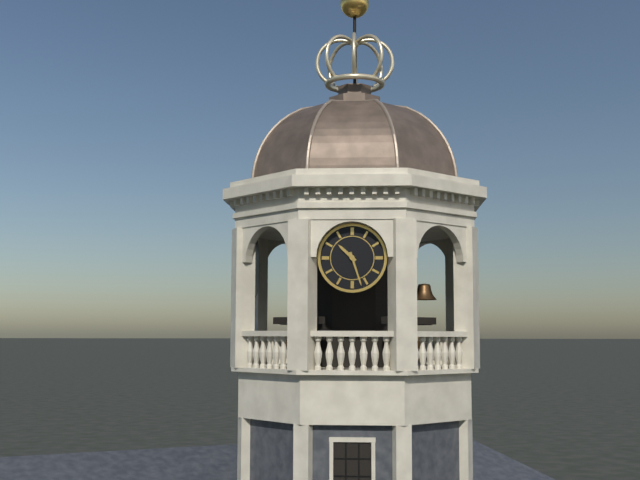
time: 10:27
